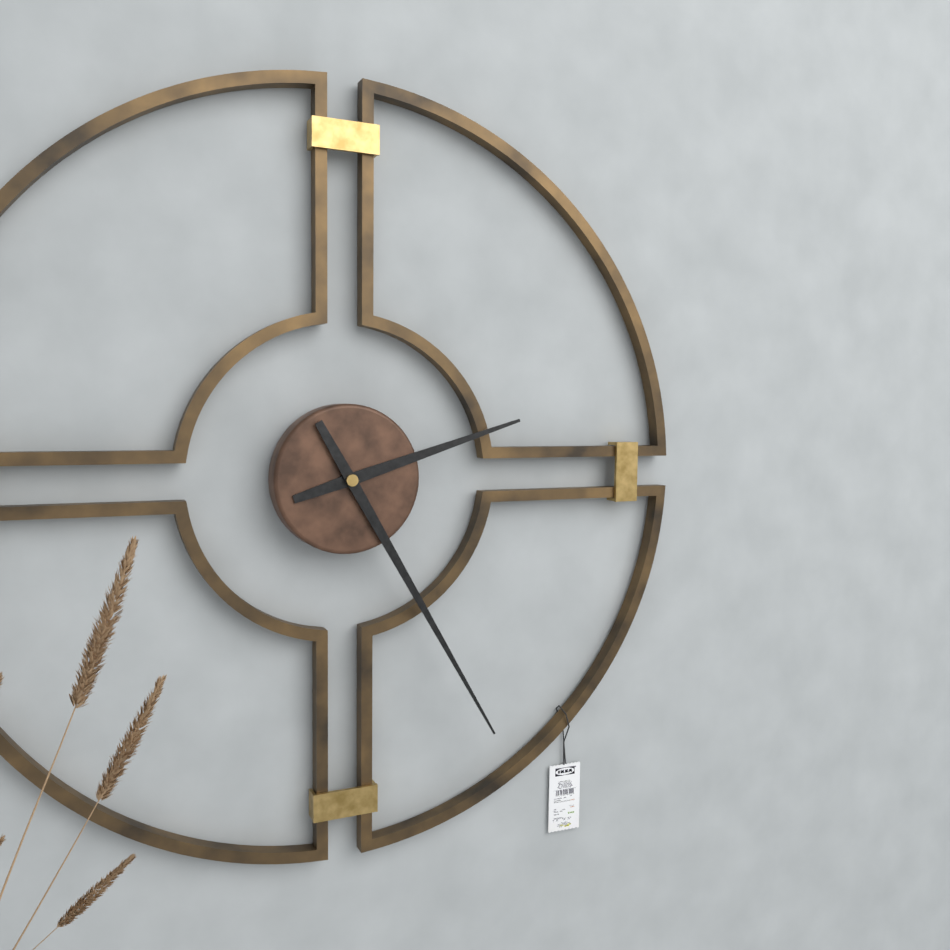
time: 2:25
